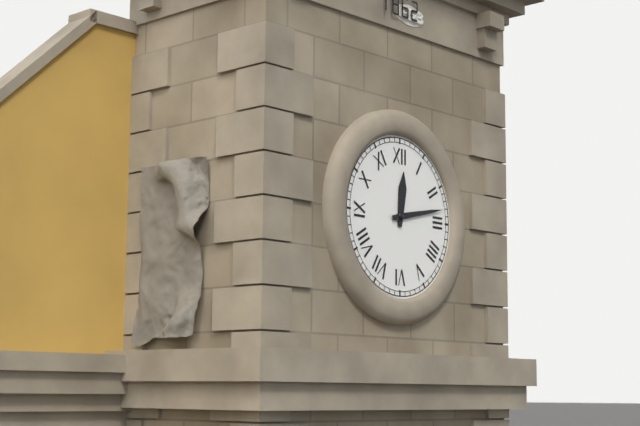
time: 12:13
